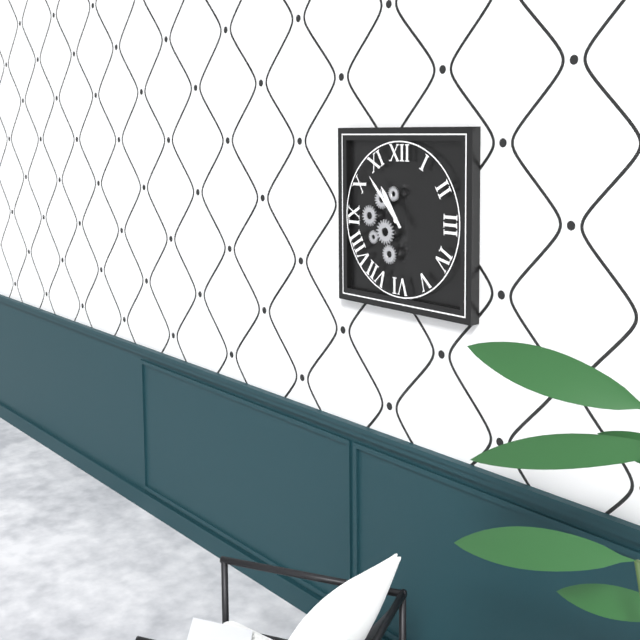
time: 10:53
